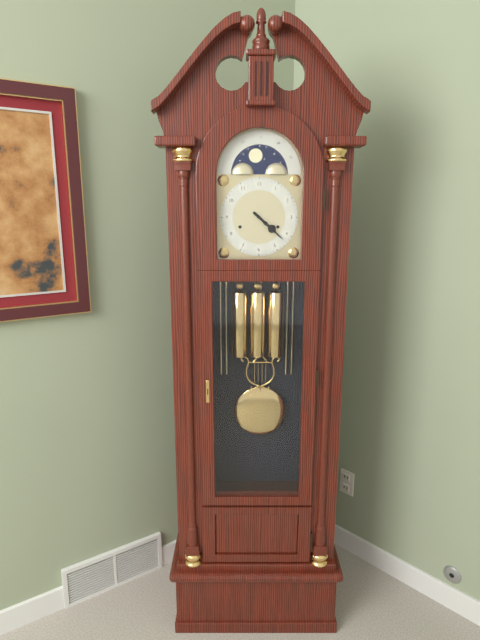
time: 4:22
